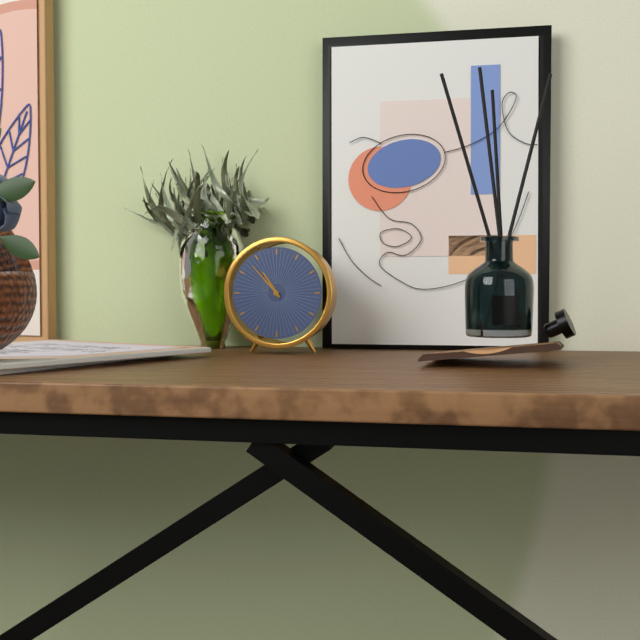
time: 10:53
